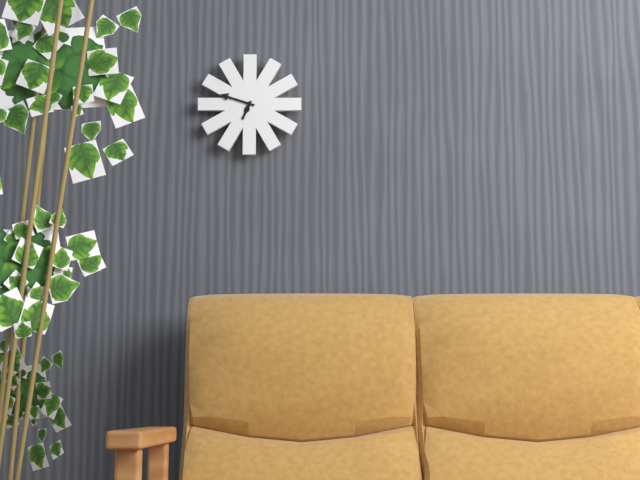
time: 6:48
